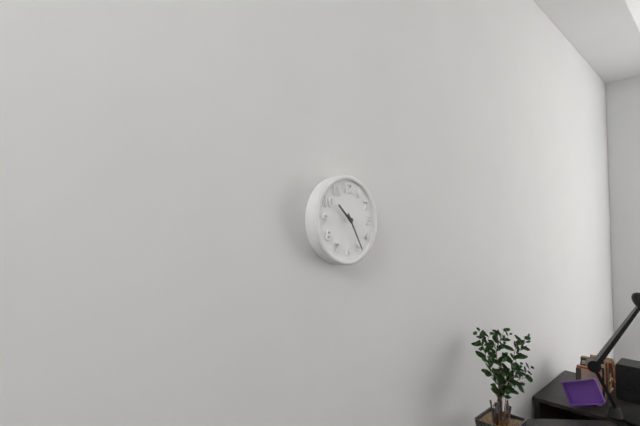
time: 10:25
